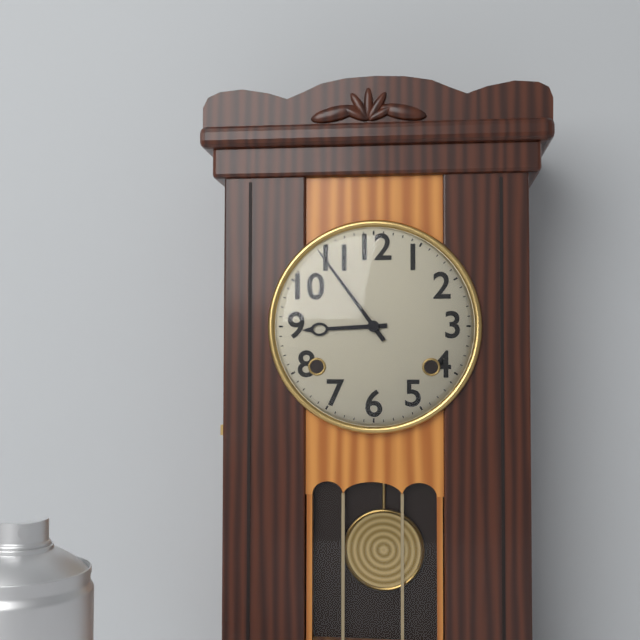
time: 8:54
